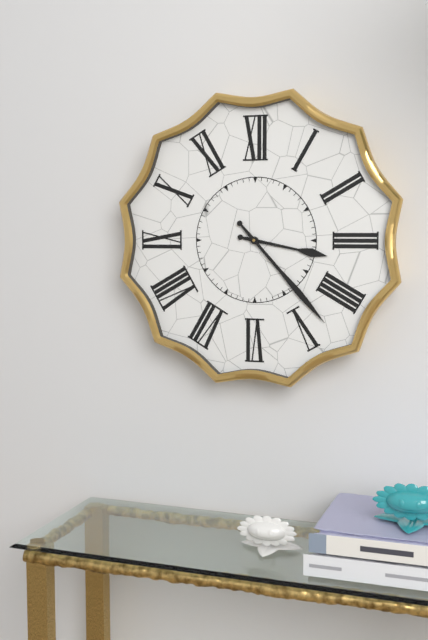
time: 3:23
